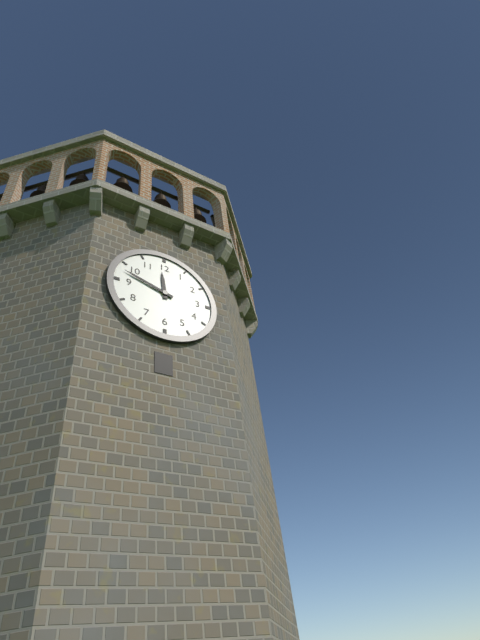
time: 11:48
